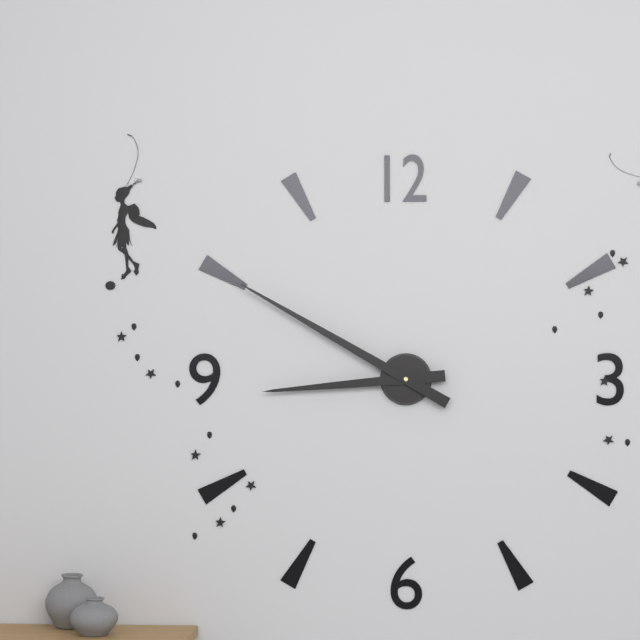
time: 8:50
